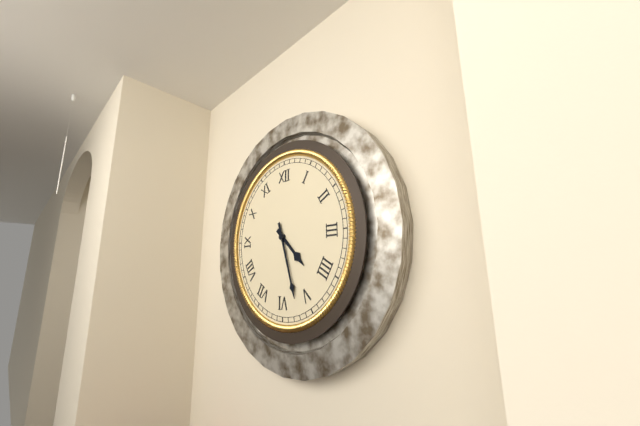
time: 4:27
